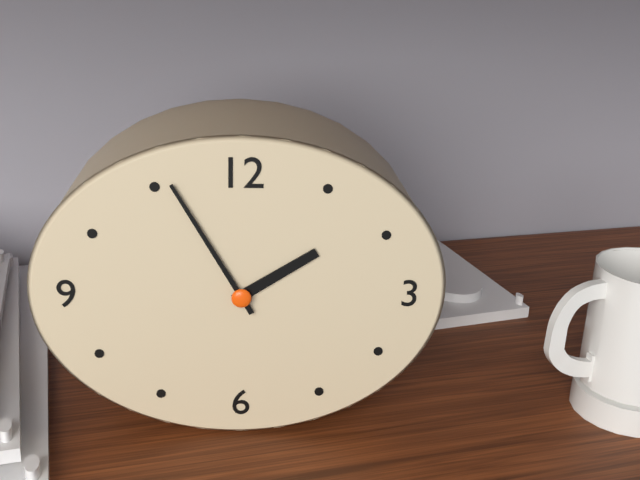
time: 1:55
